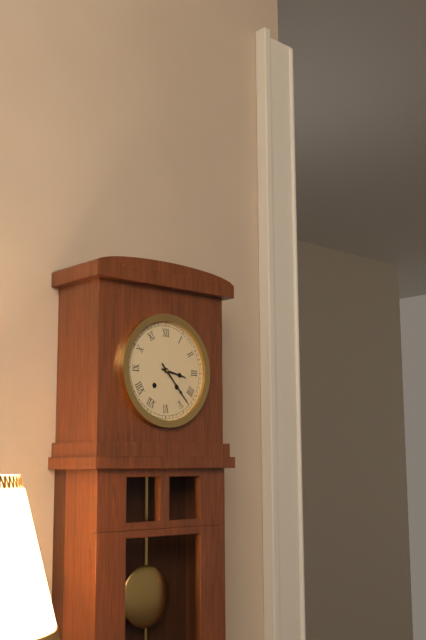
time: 3:23
